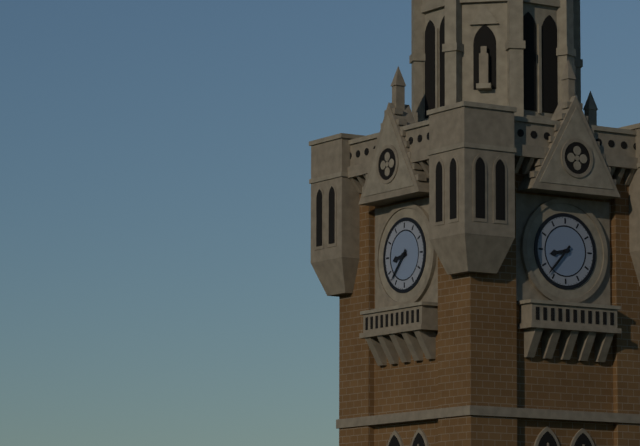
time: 8:37
